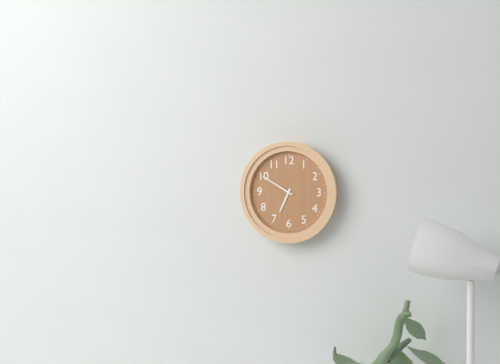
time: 6:50
